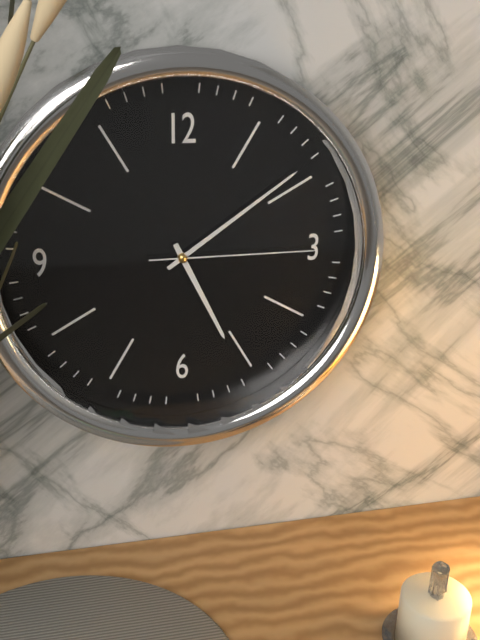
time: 5:09:15
